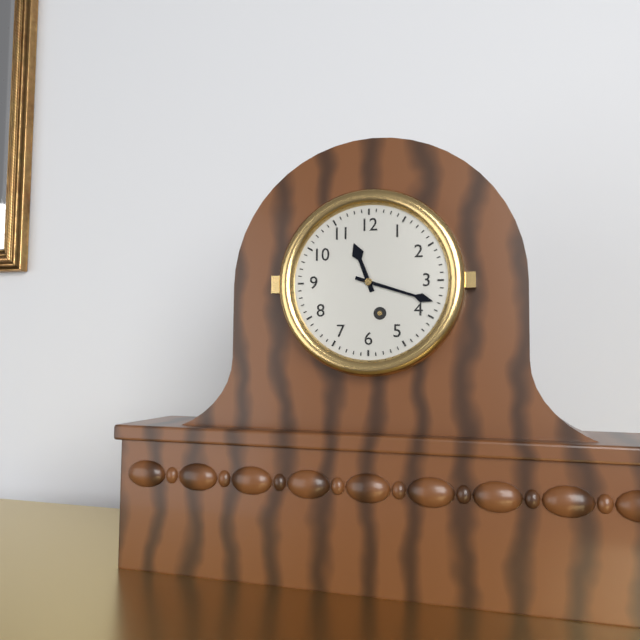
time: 11:18
